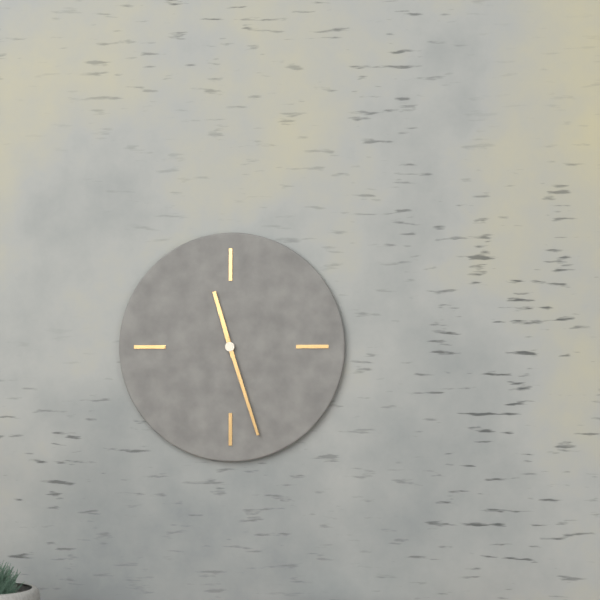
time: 11:27
